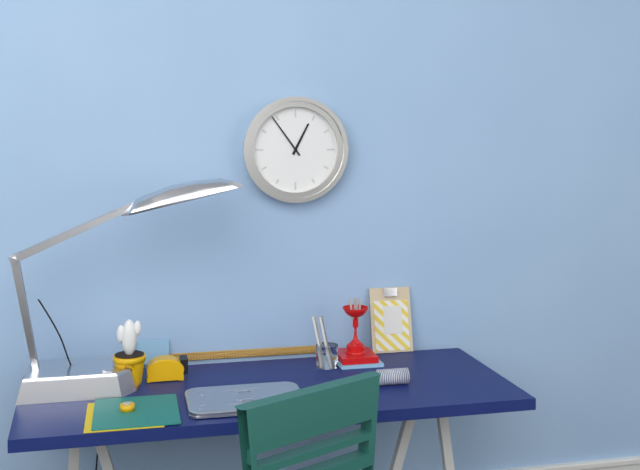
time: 12:54
